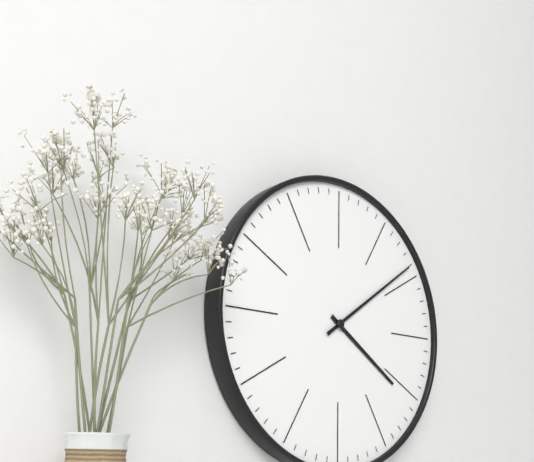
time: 4:09
